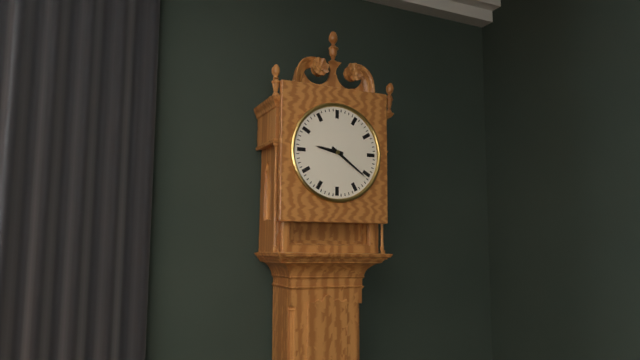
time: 9:21
